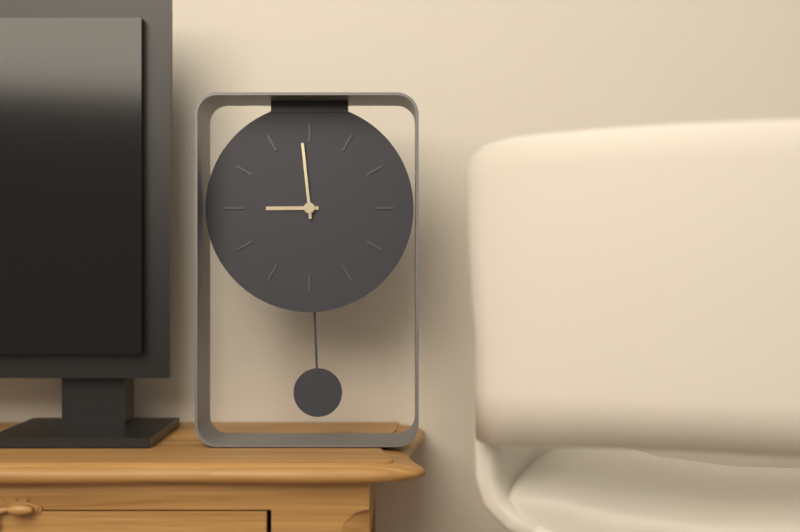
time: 8:59
